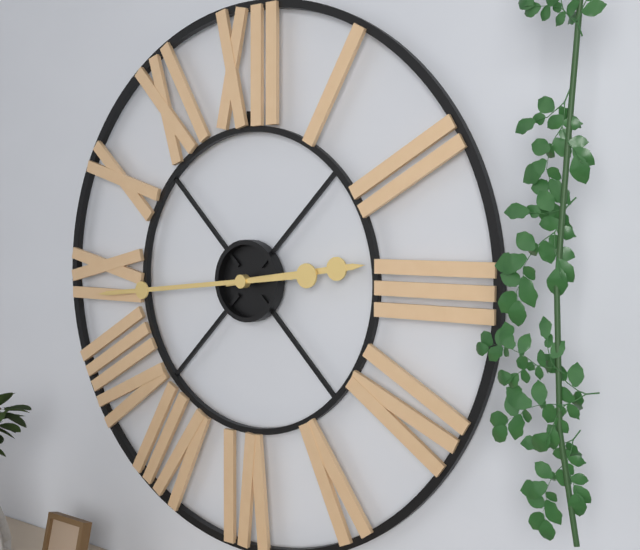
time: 2:44
